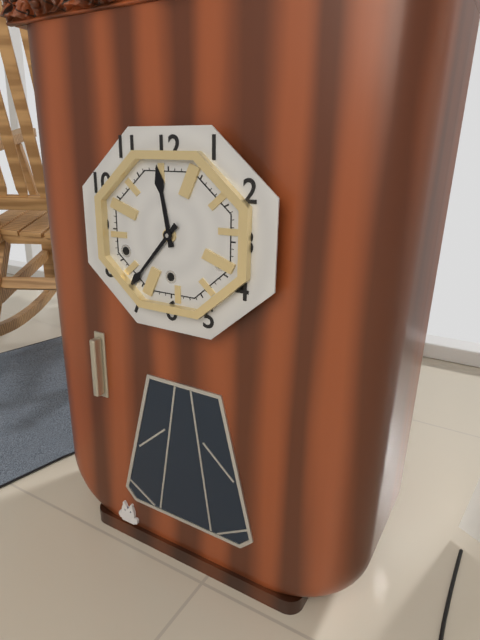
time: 11:37
